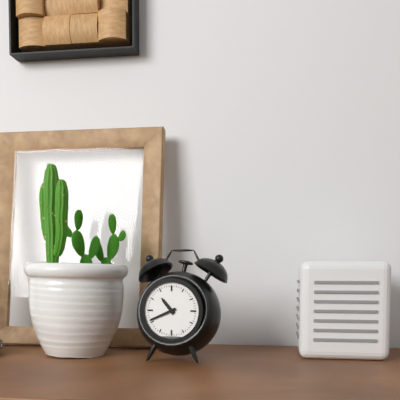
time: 10:41
